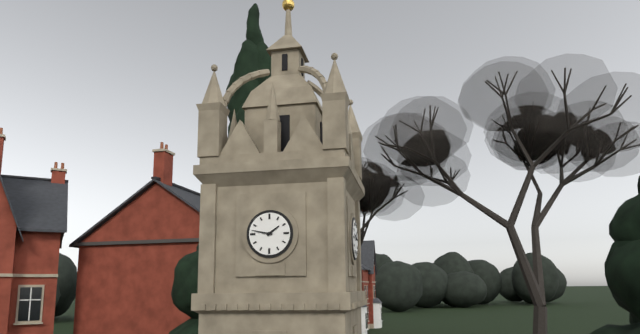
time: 1:47
